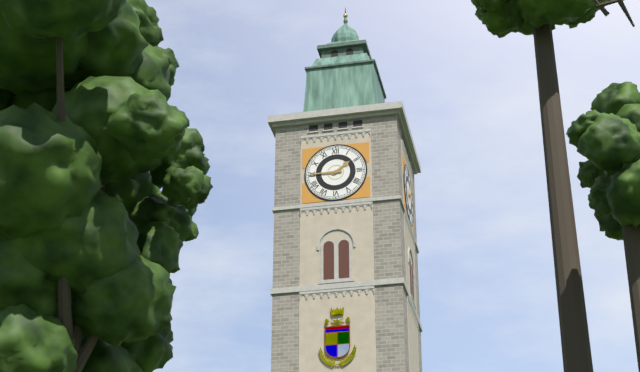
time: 1:45
